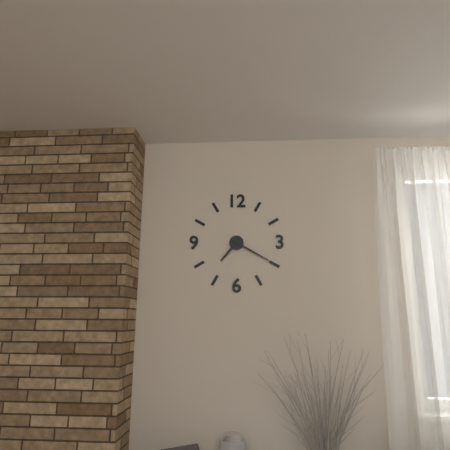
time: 7:20
